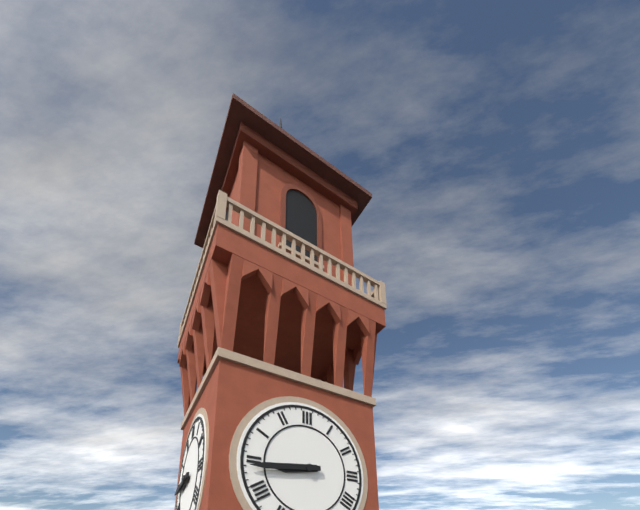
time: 8:44
